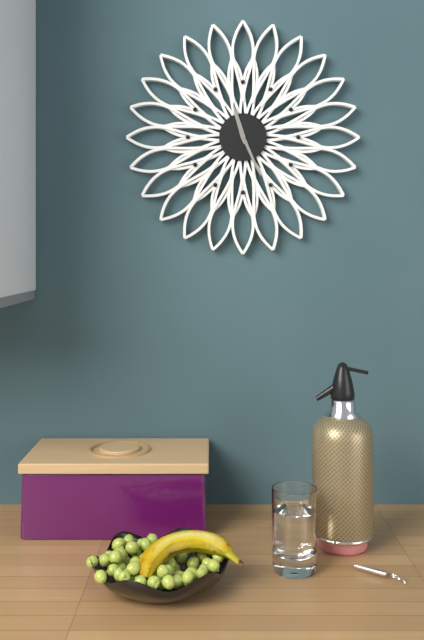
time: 11:26
